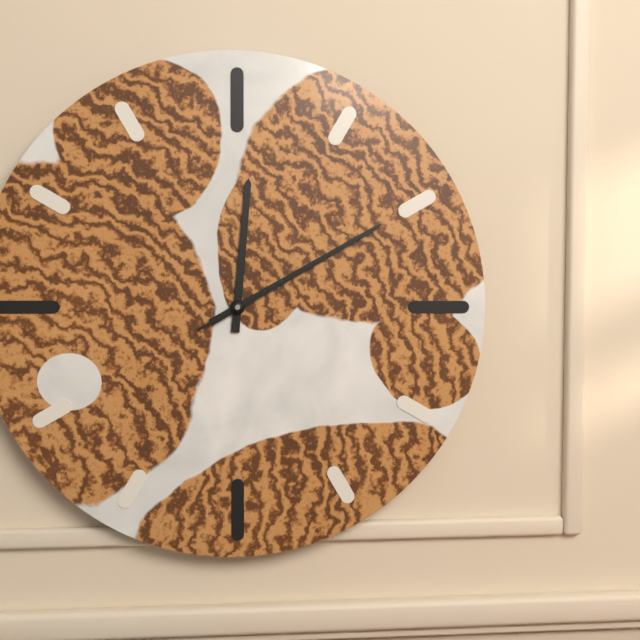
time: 12:10:10
